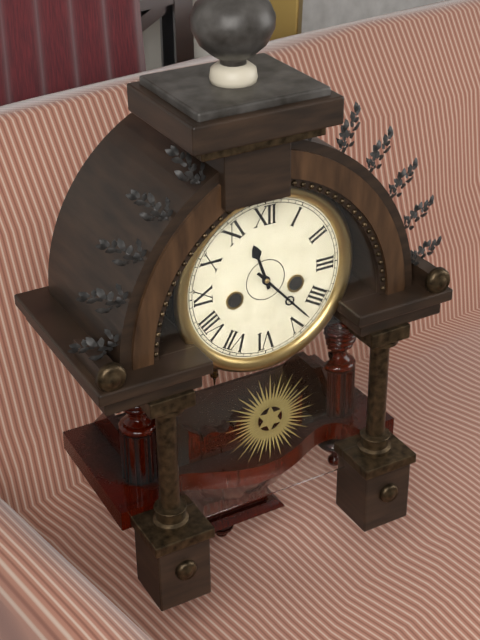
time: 11:23
